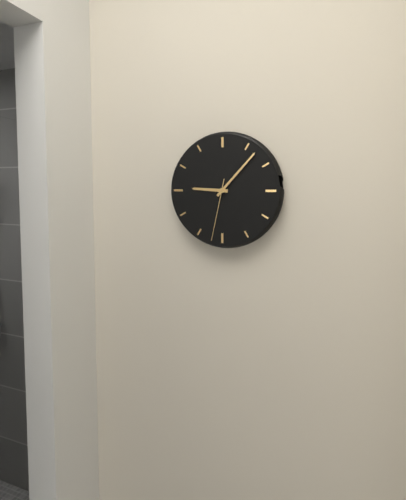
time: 9:07:32
